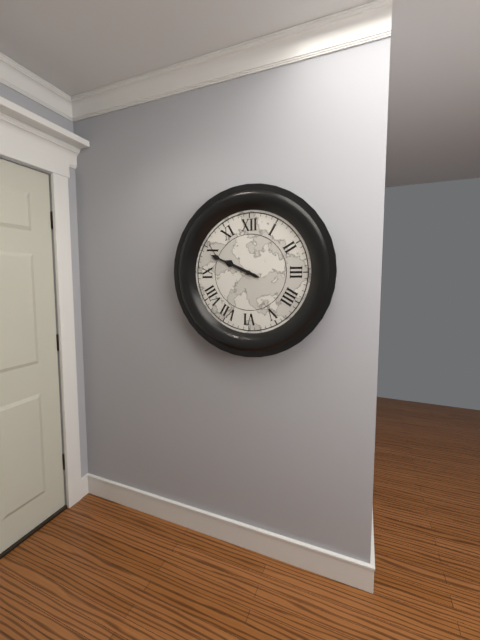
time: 9:49
